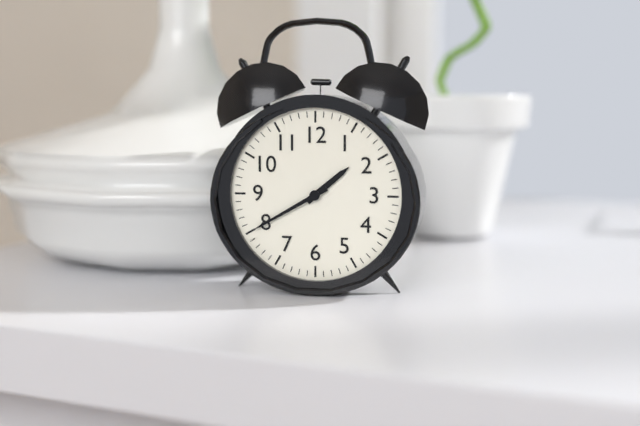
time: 1:40
